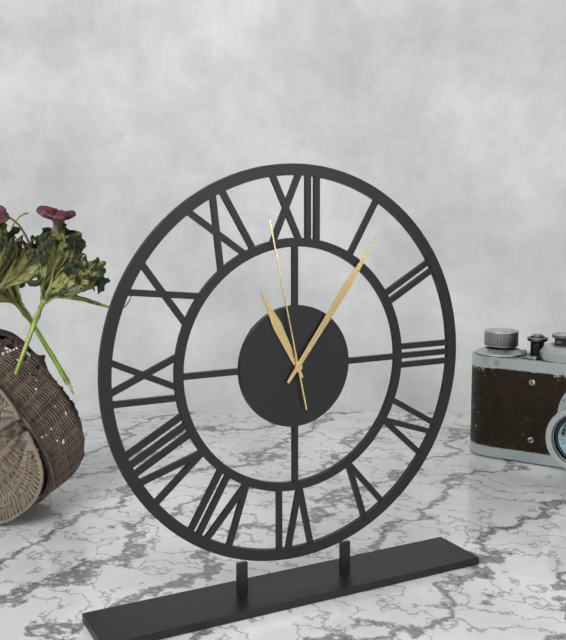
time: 11:06:58
